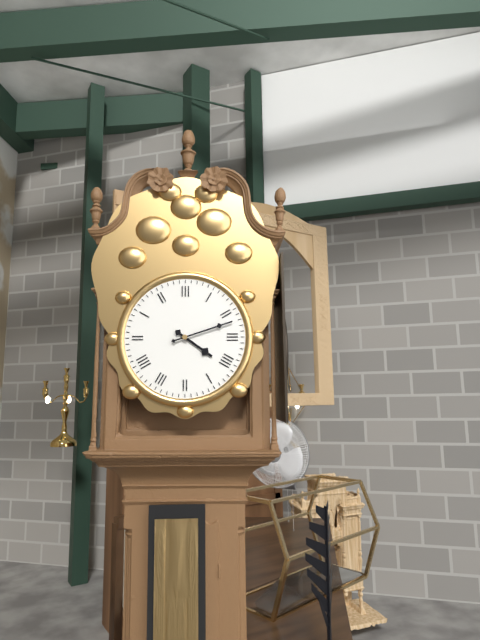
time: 4:12
